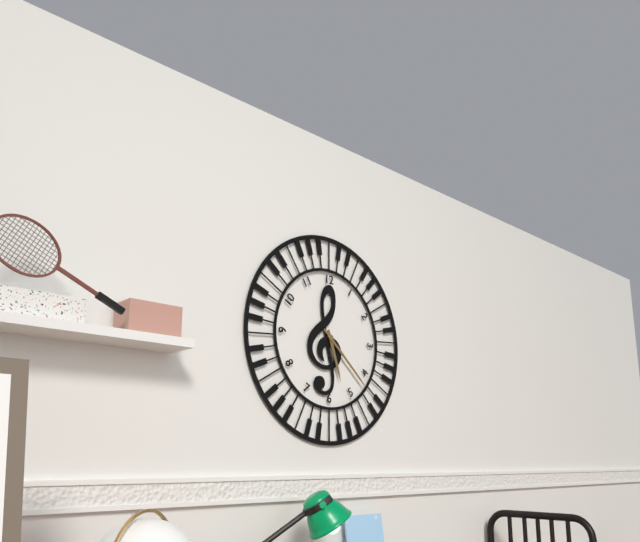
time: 5:22
